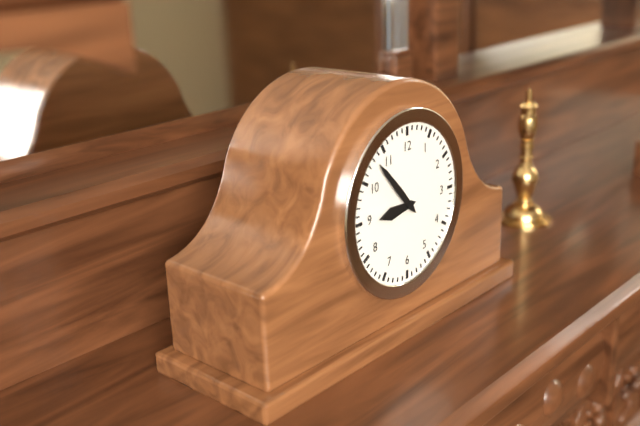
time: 8:53
